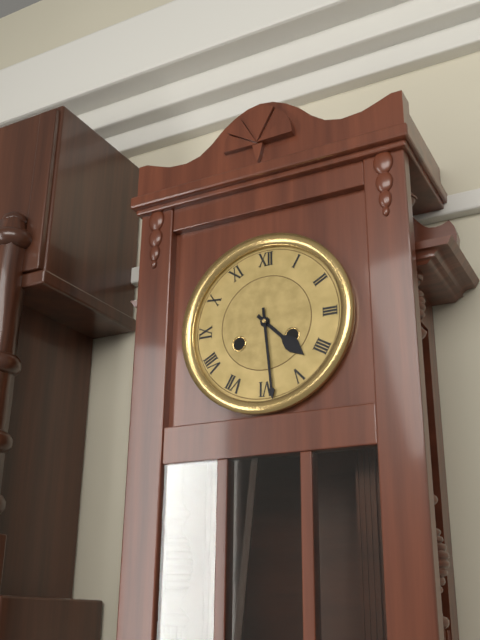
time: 4:29
